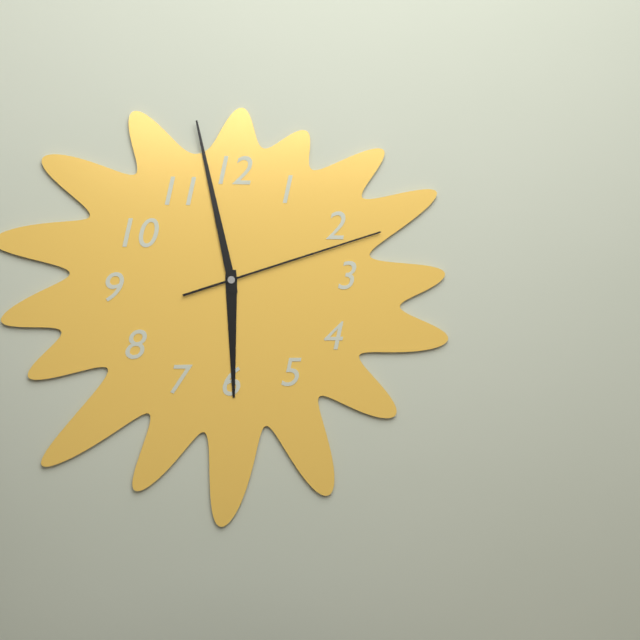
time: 5:58:12
